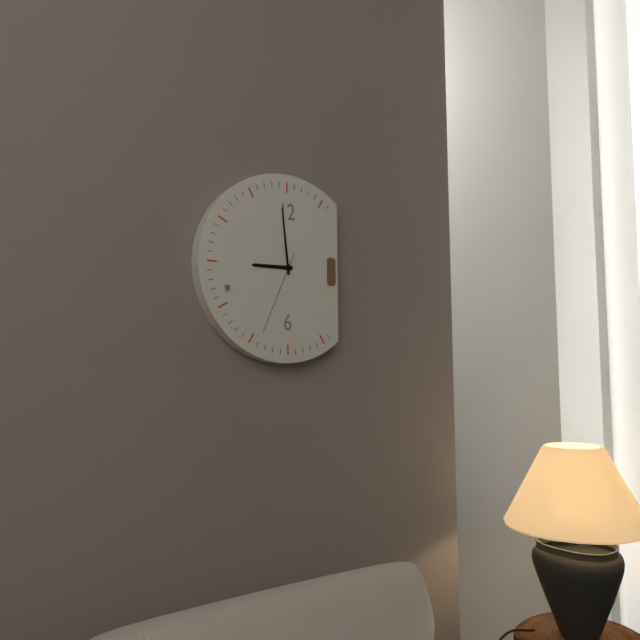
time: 8:59:34
